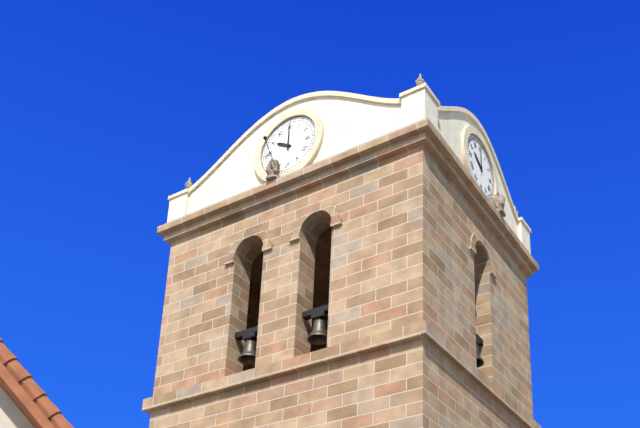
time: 10:00
